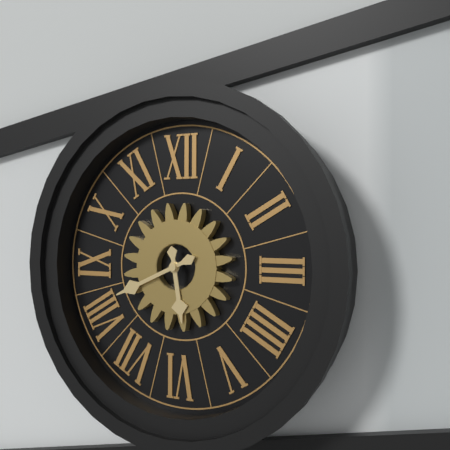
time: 5:41
